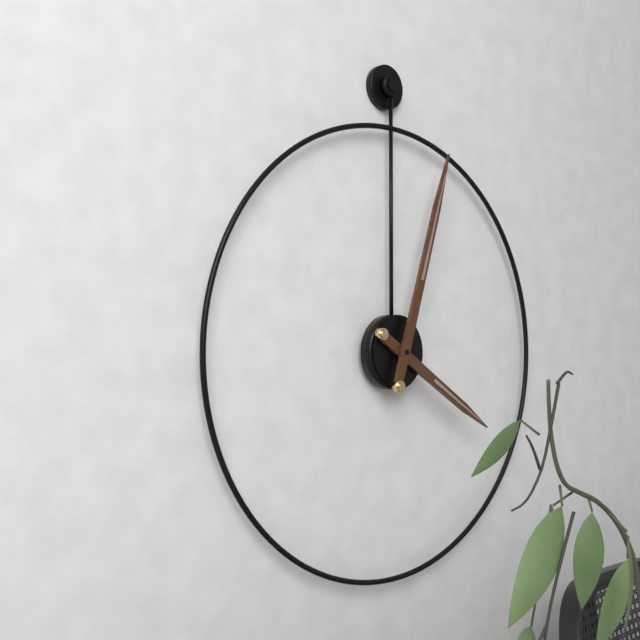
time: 4:03
